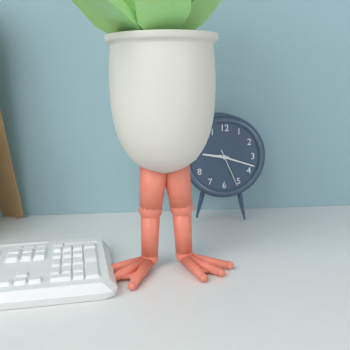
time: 9:18
